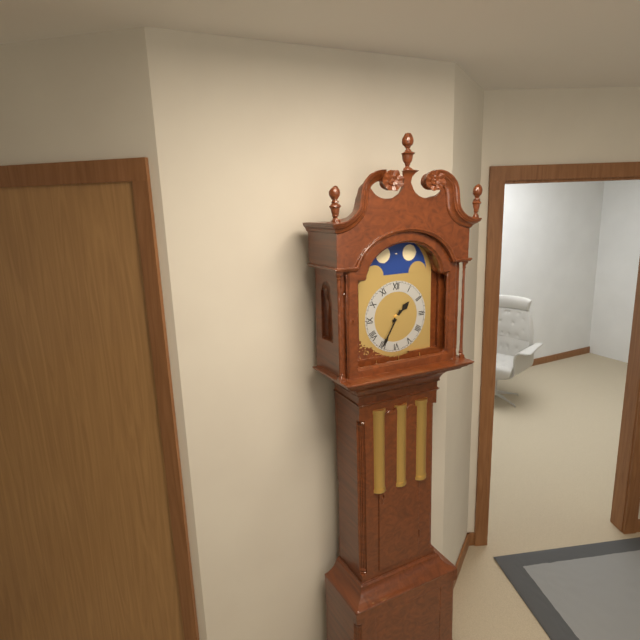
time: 1:35
